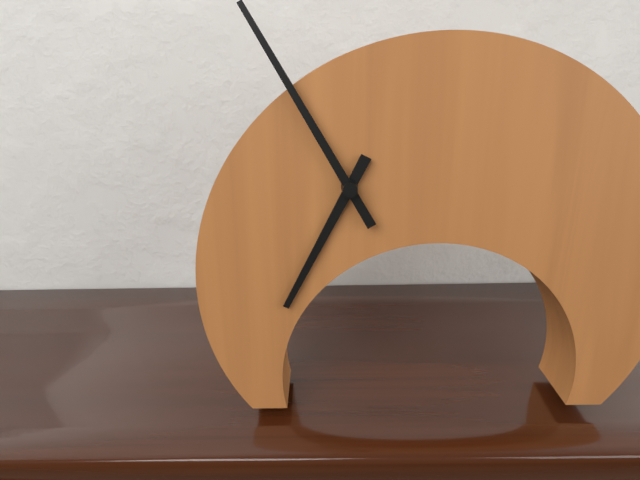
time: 6:55
